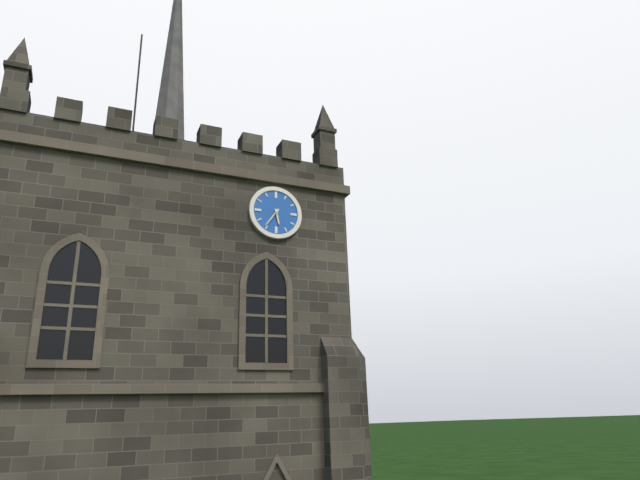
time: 5:36
